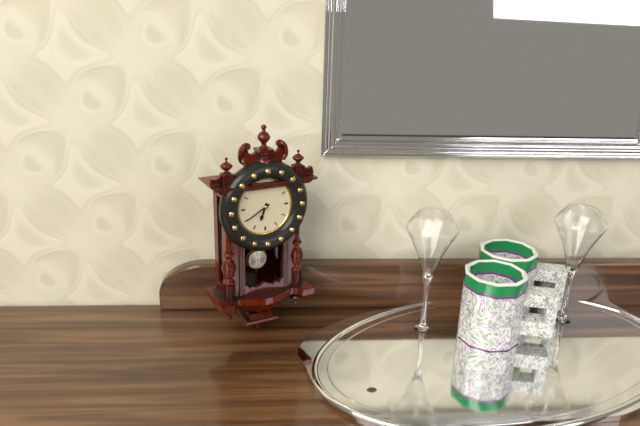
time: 6:40
